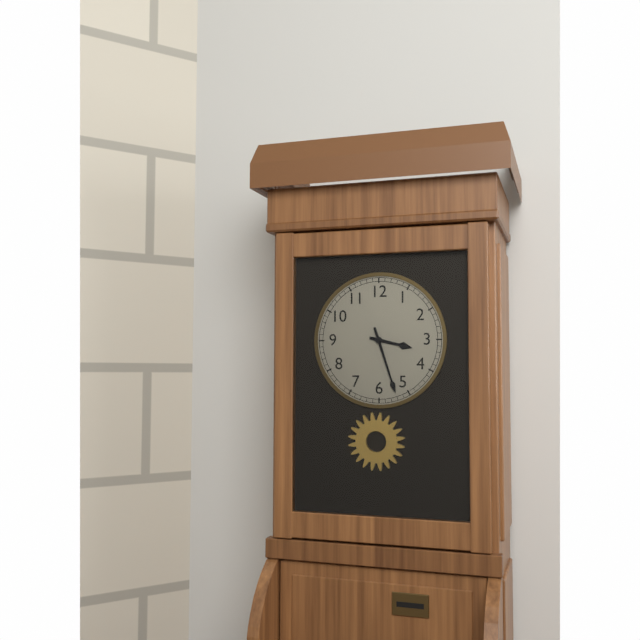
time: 3:27
